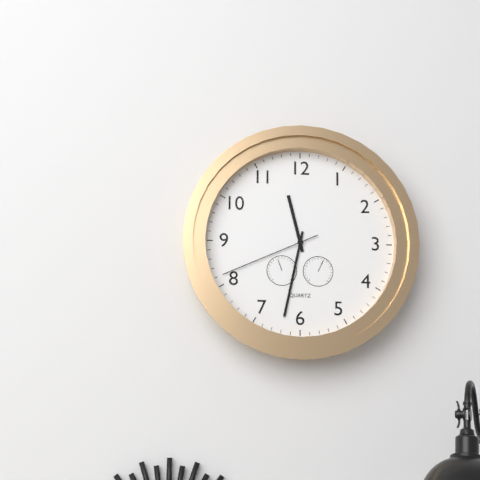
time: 11:32:41
